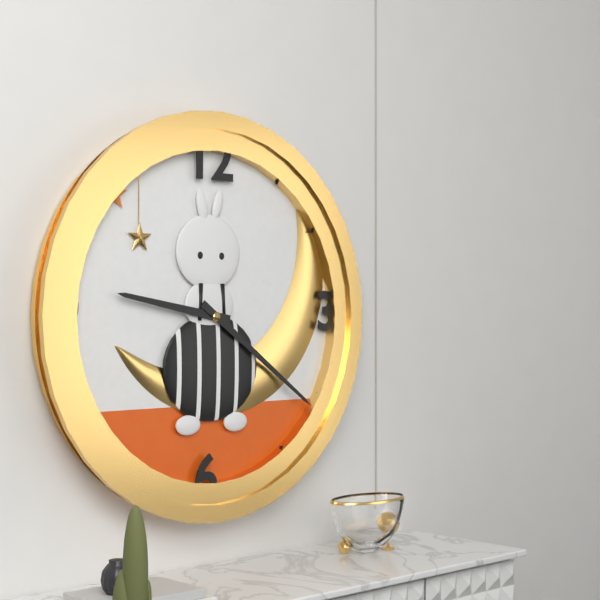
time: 9:21
